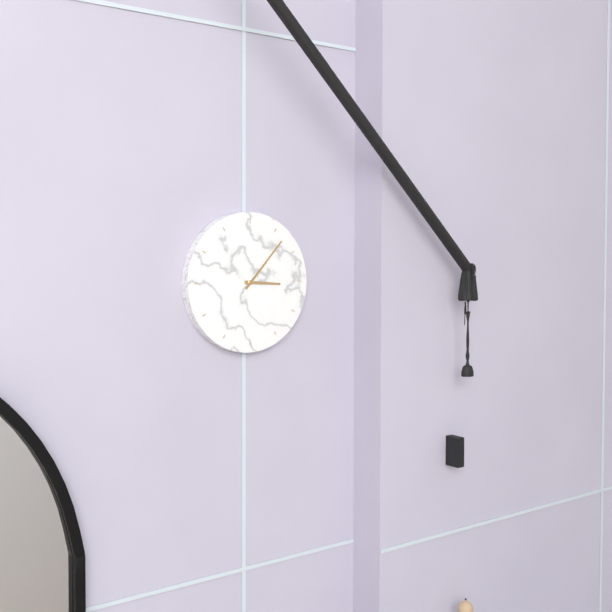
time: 3:07
